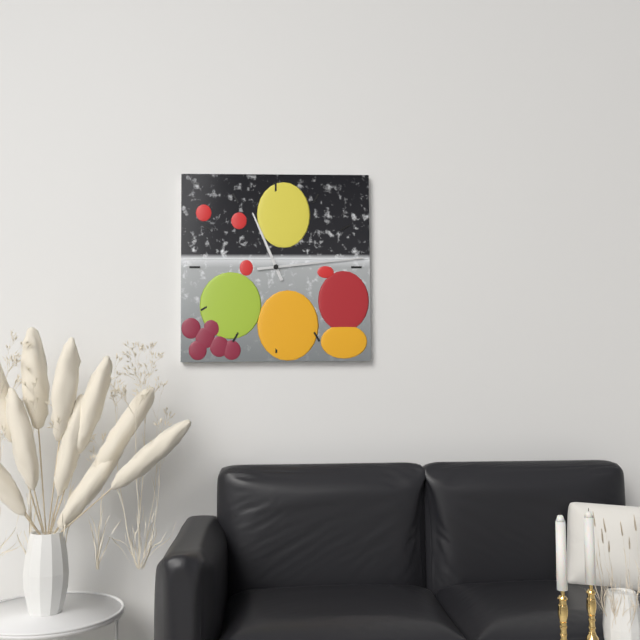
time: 11:14
